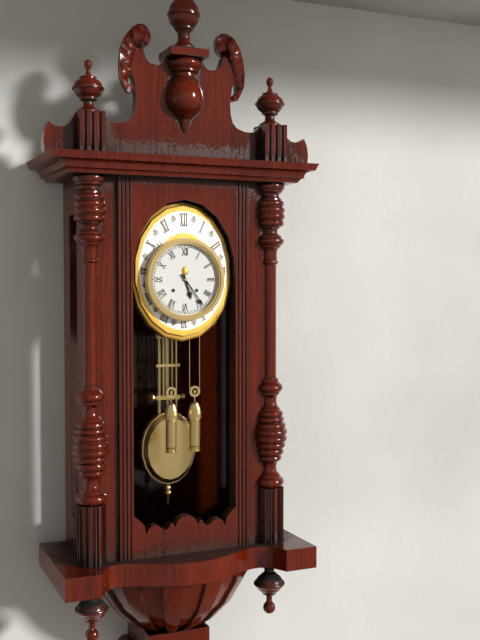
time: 5:24
